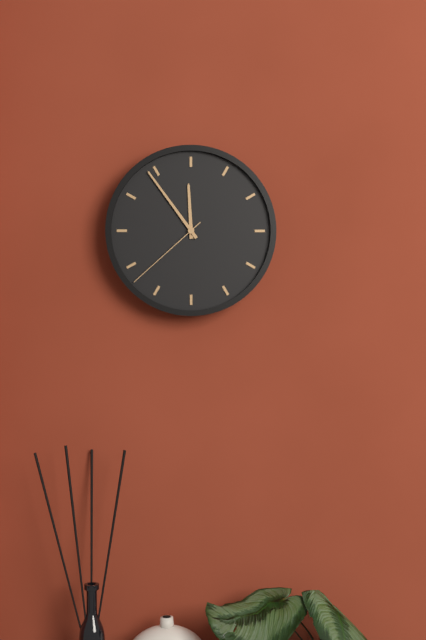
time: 11:54:38
